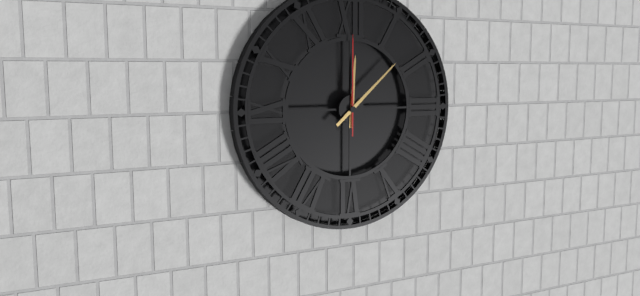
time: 12:08:00
